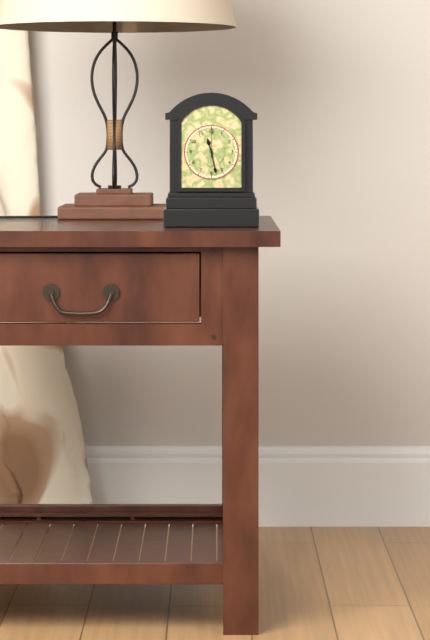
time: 11:28
